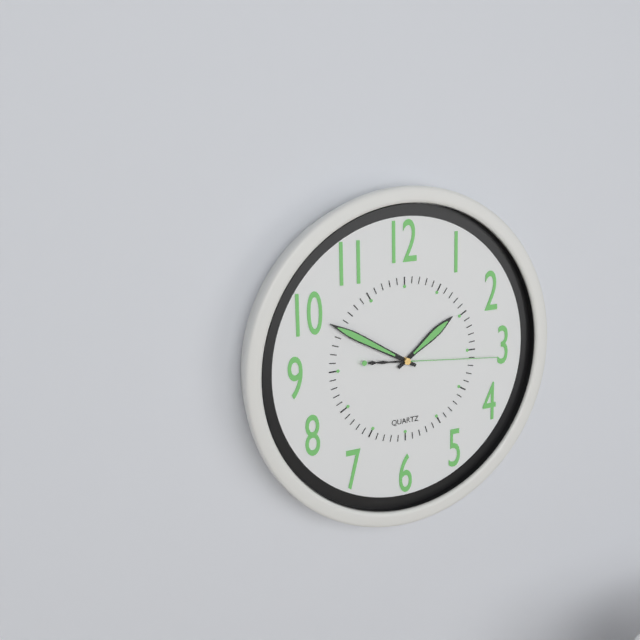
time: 1:50:16
